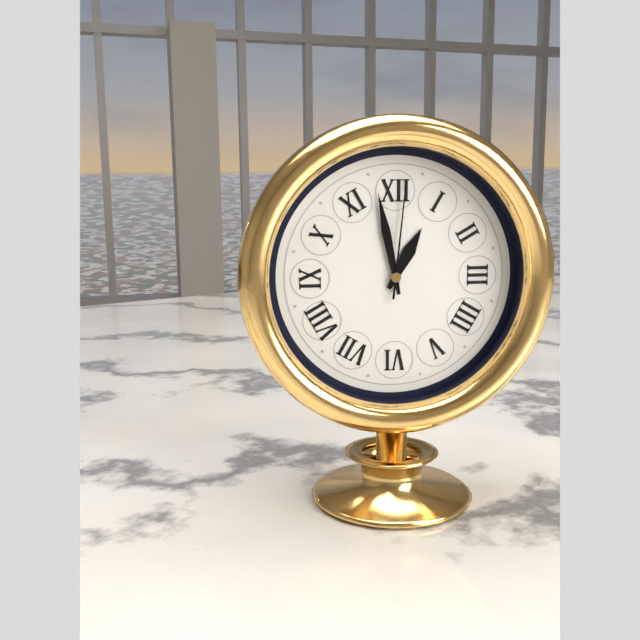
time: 12:58:01
